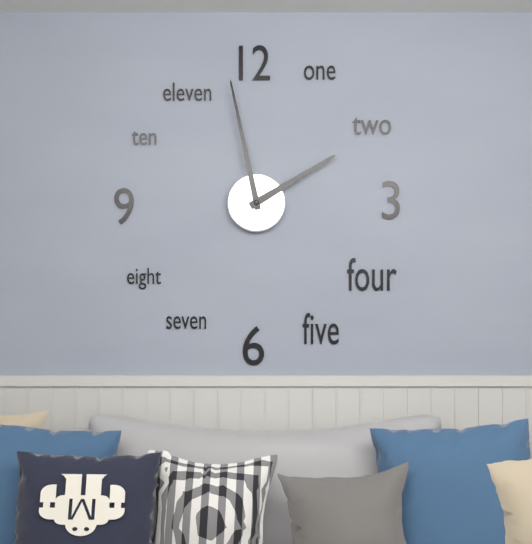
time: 1:58
